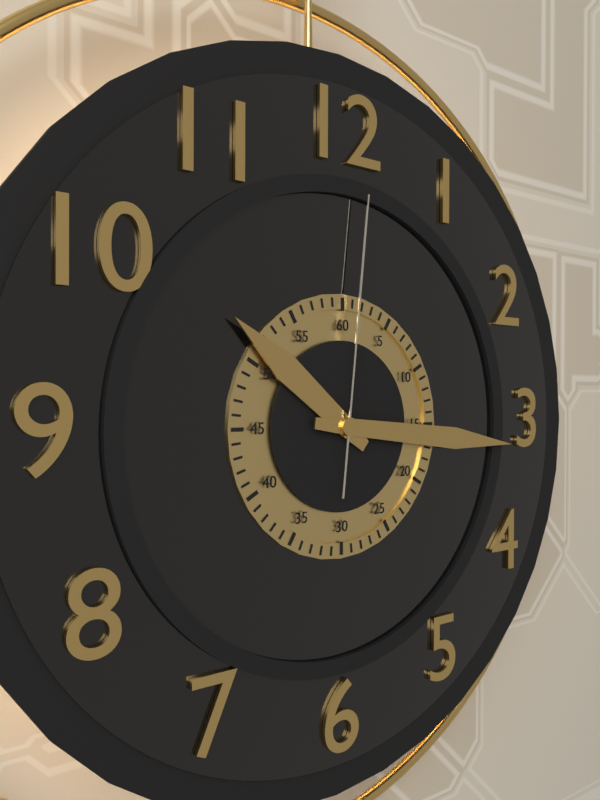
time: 10:16:01
